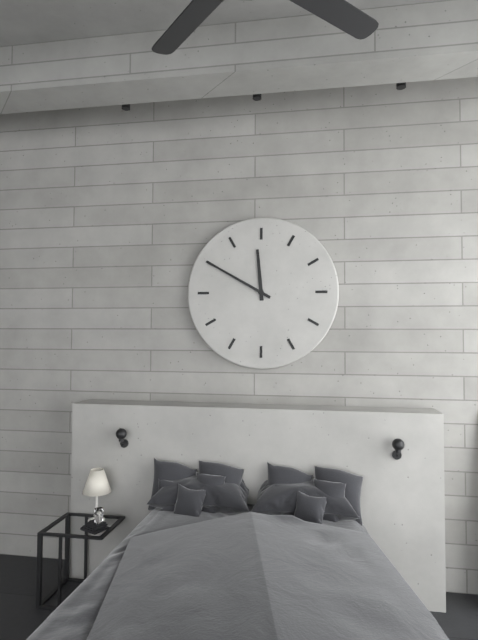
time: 11:50
